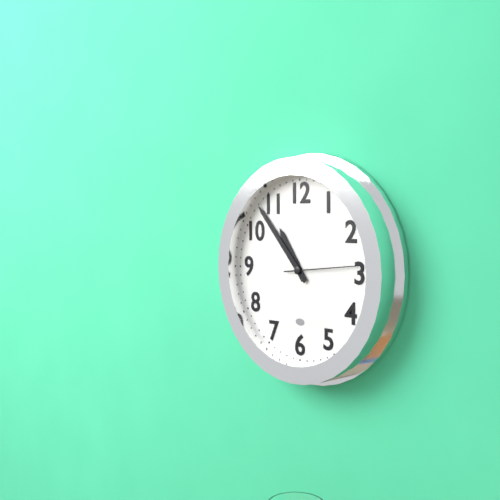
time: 10:53:14
